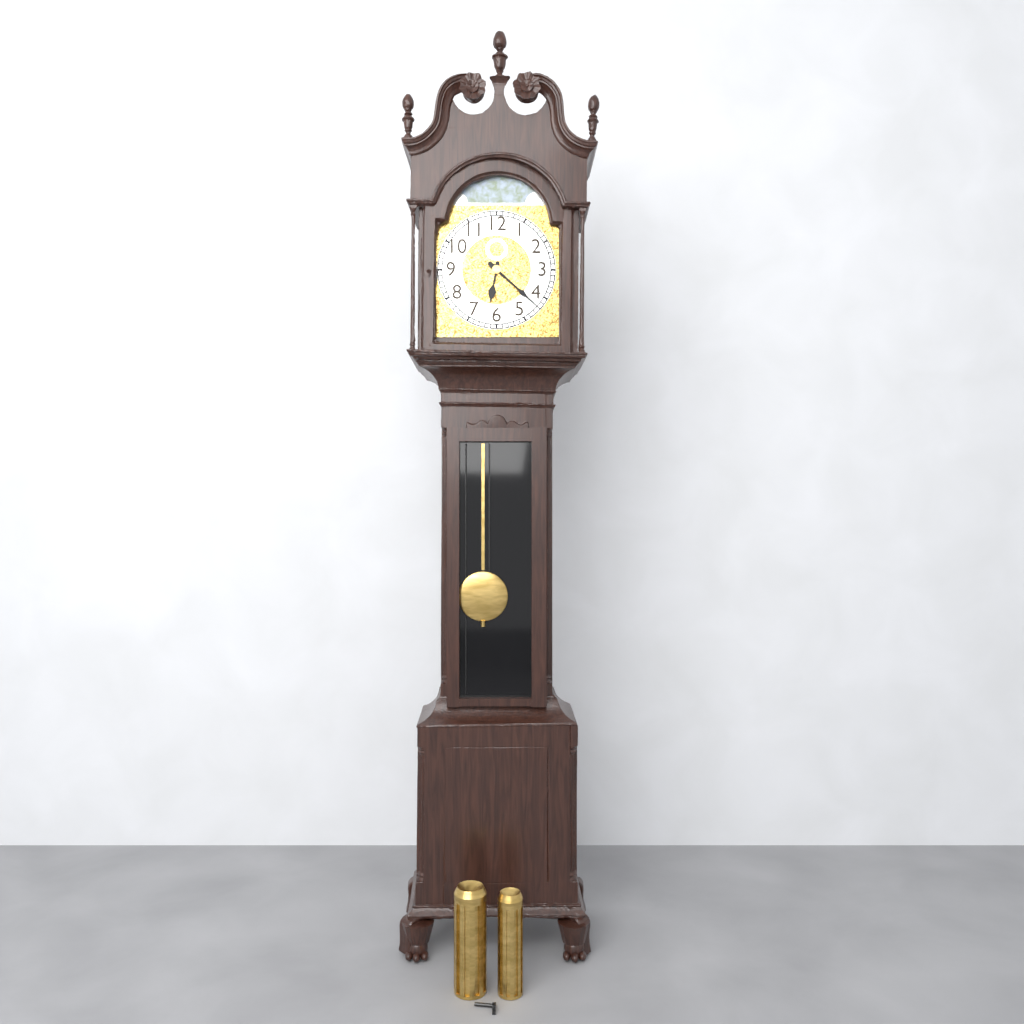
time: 6:22
